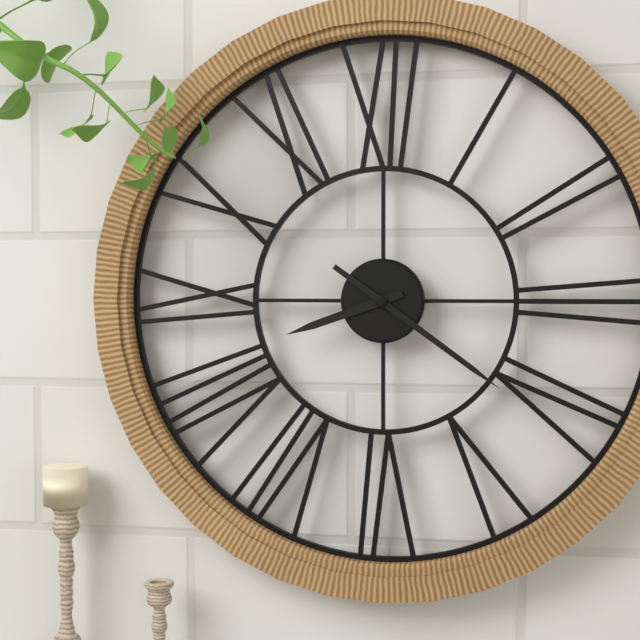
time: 8:21
